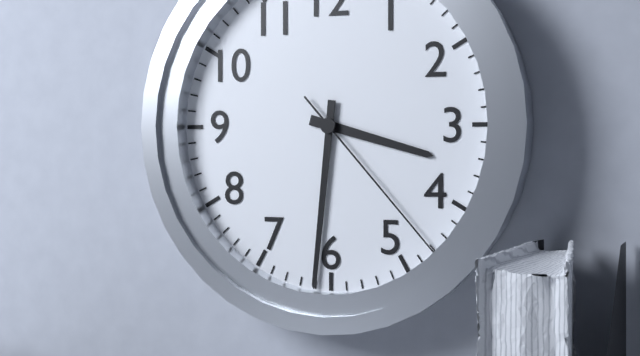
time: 3:31:23
